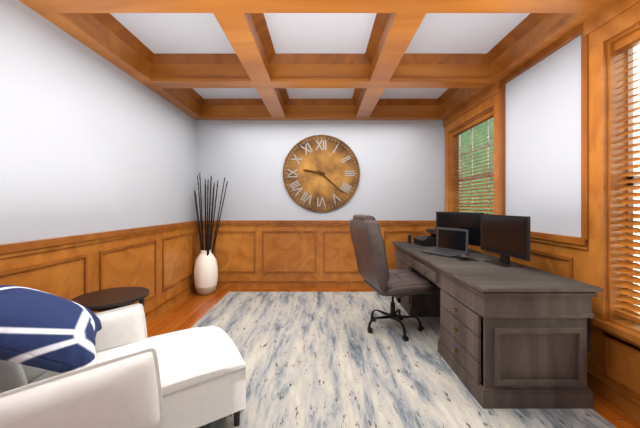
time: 9:22
